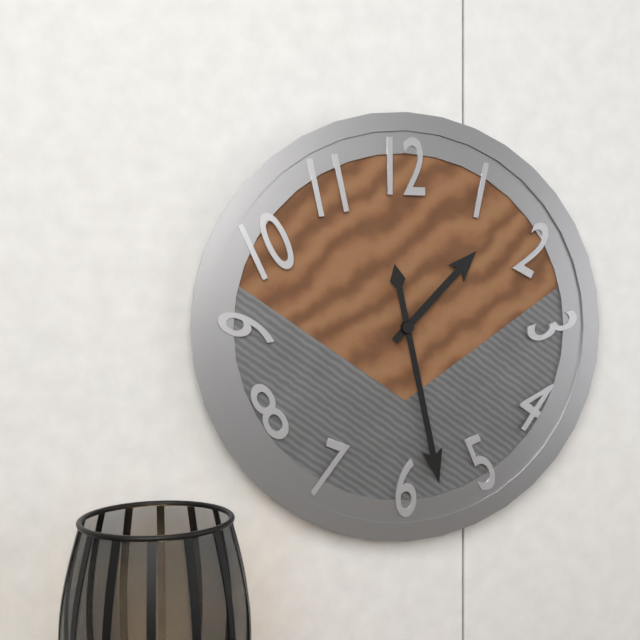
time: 1:28
